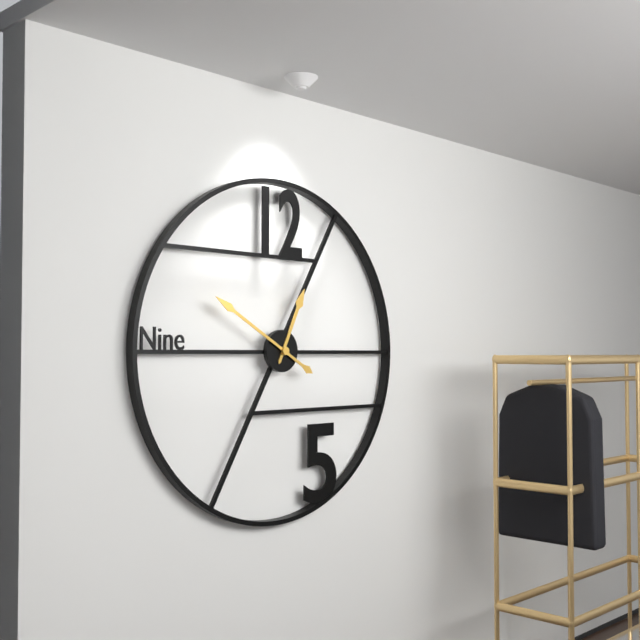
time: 12:50
